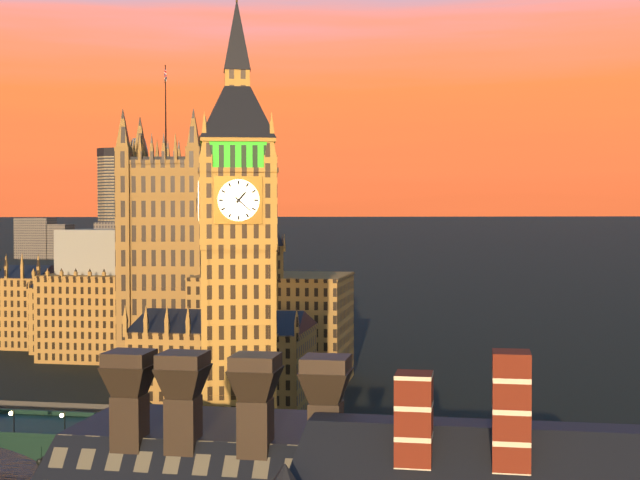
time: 1:22
